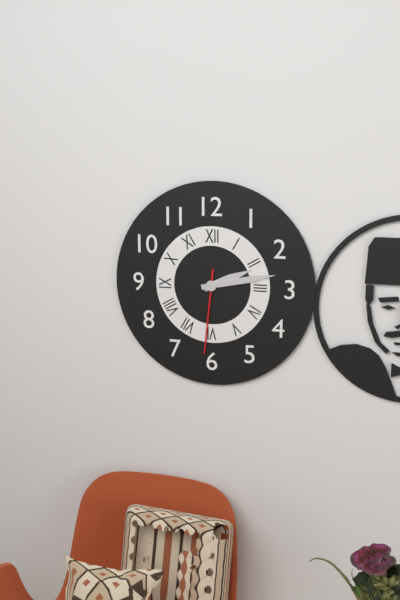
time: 2:13:31
